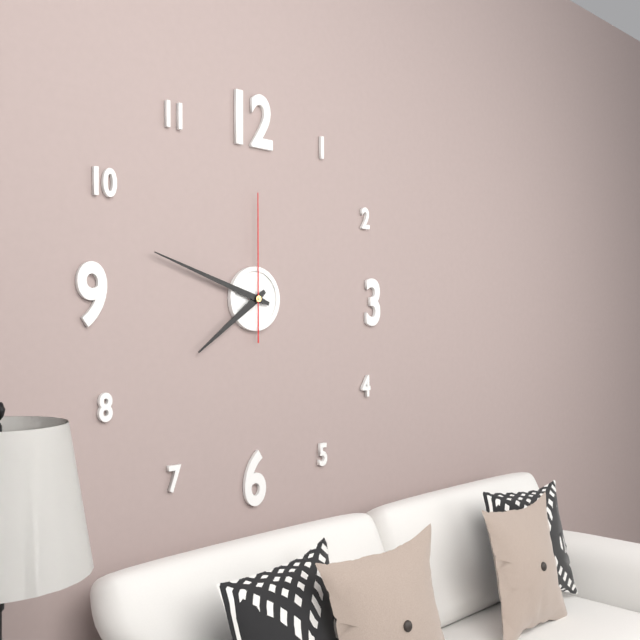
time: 7:48:00
